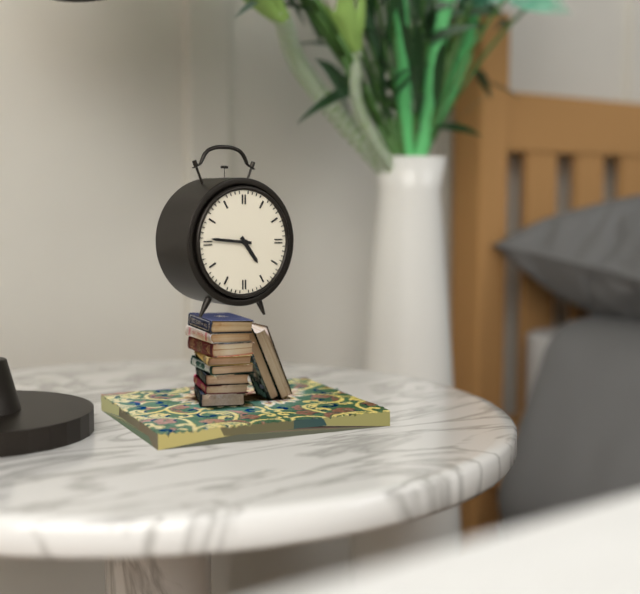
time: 4:46
